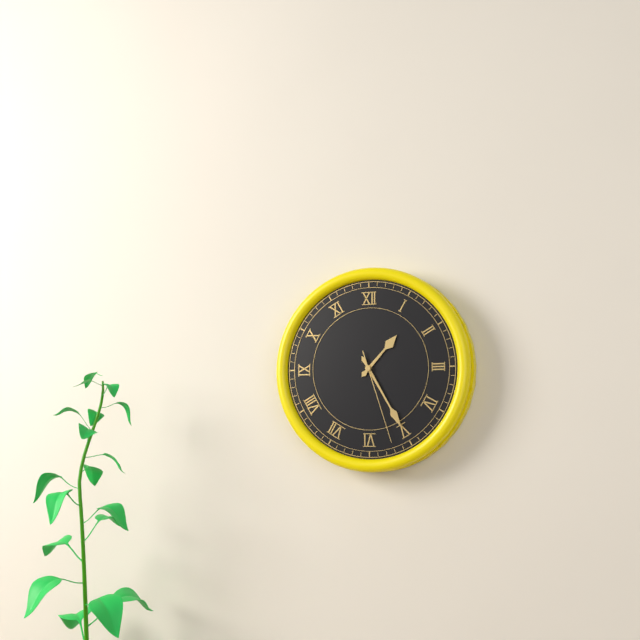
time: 1:25:27
